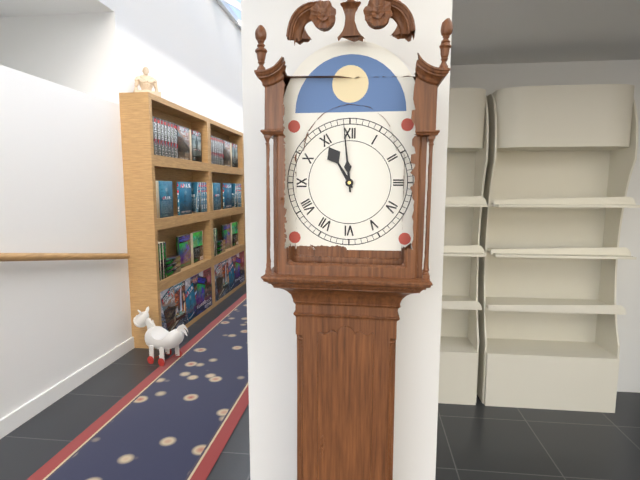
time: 10:59
